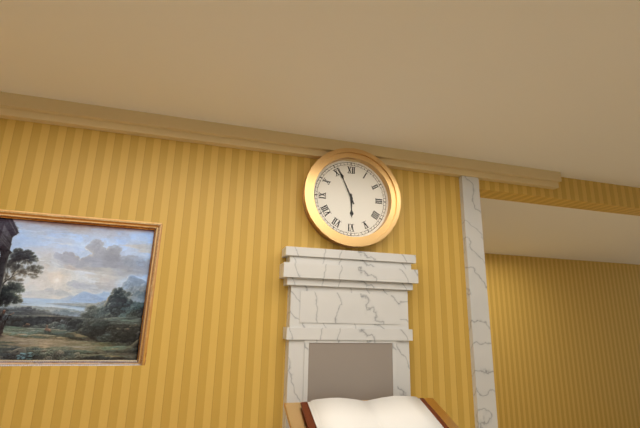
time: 5:56
